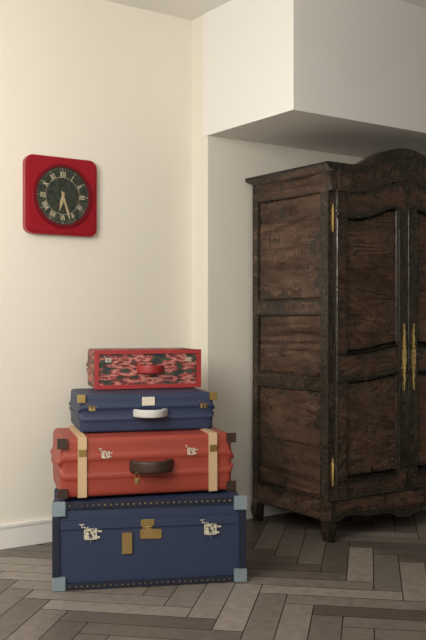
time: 6:27
